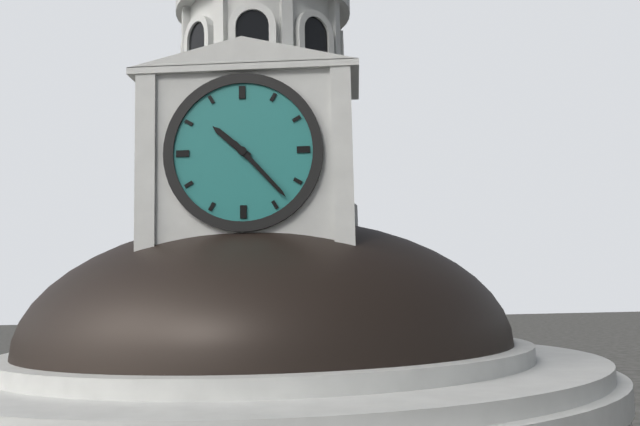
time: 10:23
